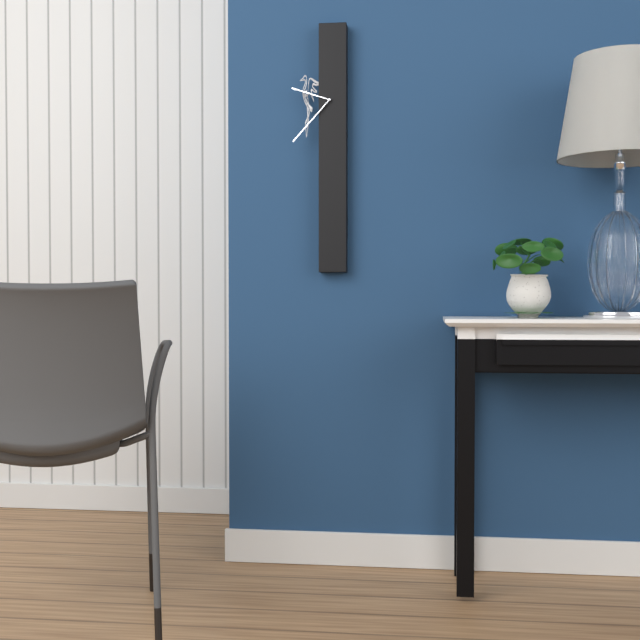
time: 9:37
